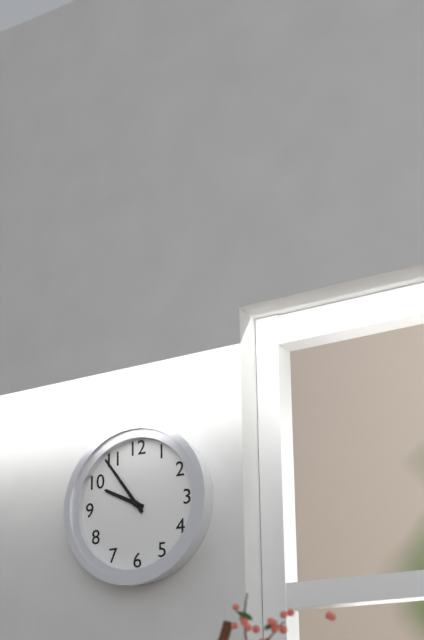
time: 9:54
